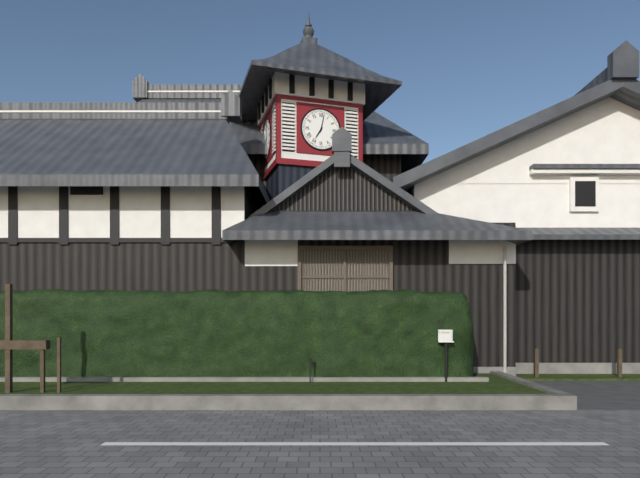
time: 7:02
